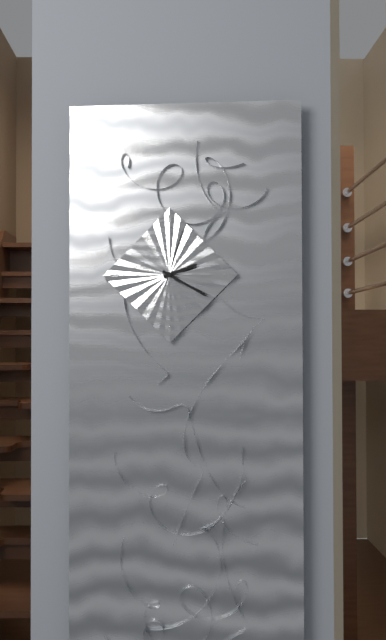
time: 2:20:03
